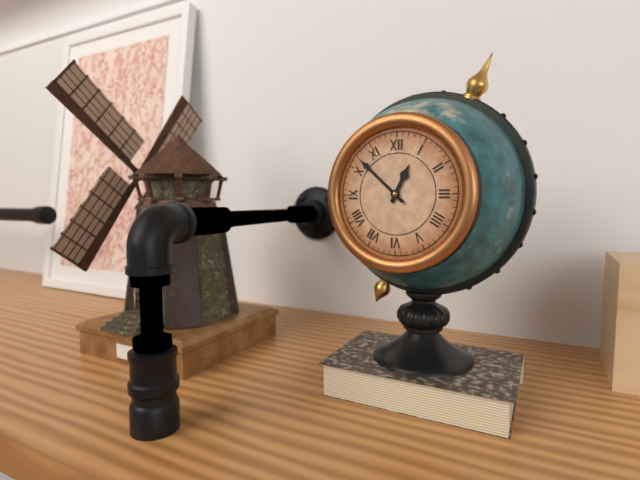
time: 12:52
